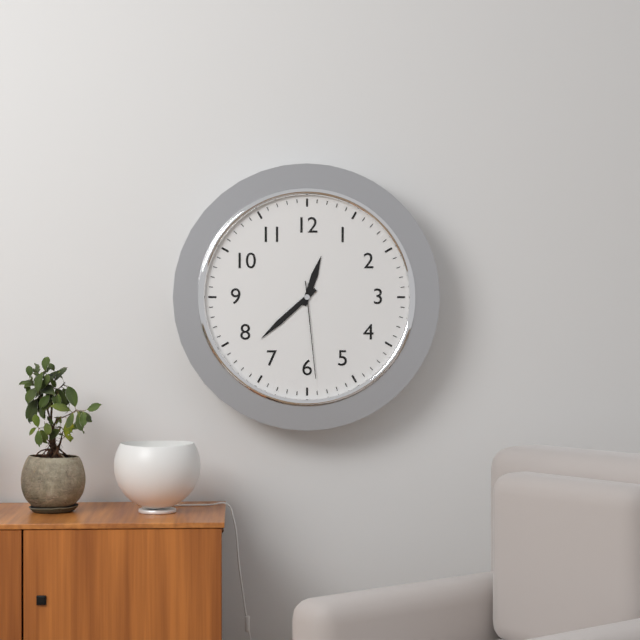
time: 12:38:29
